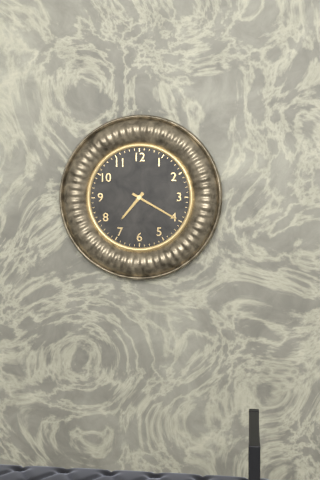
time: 7:20
